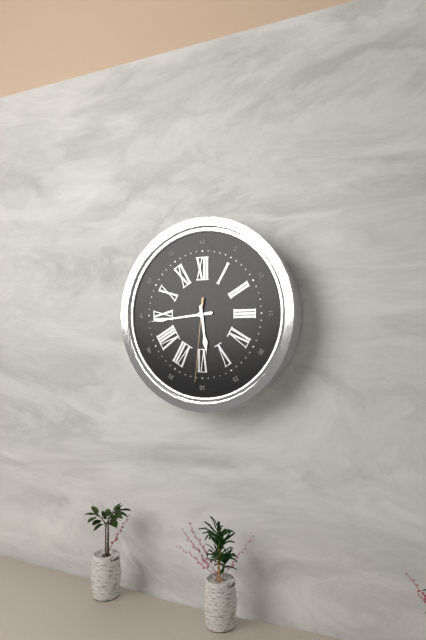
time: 5:44:31
